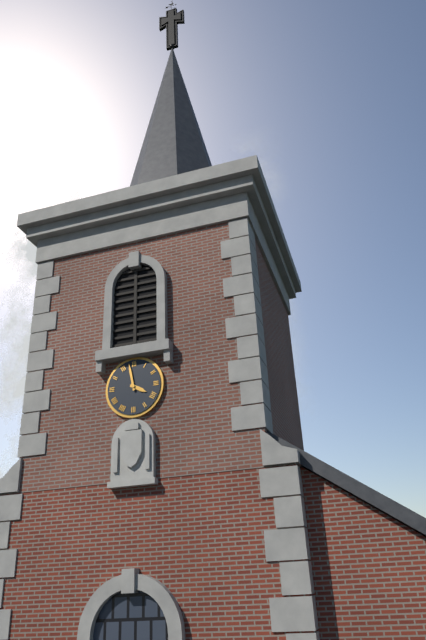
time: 3:58
